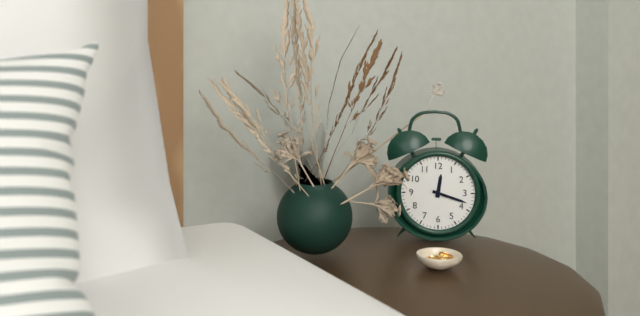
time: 12:18
